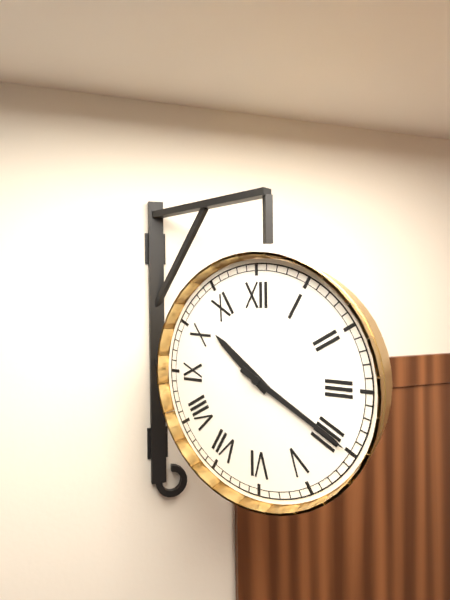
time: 10:20
